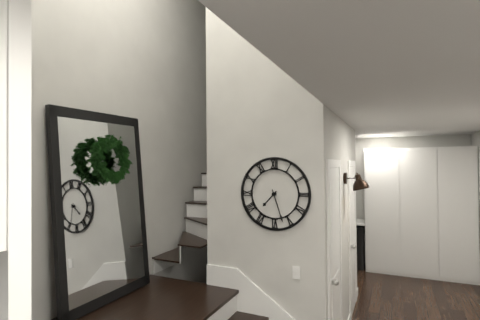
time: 7:27
